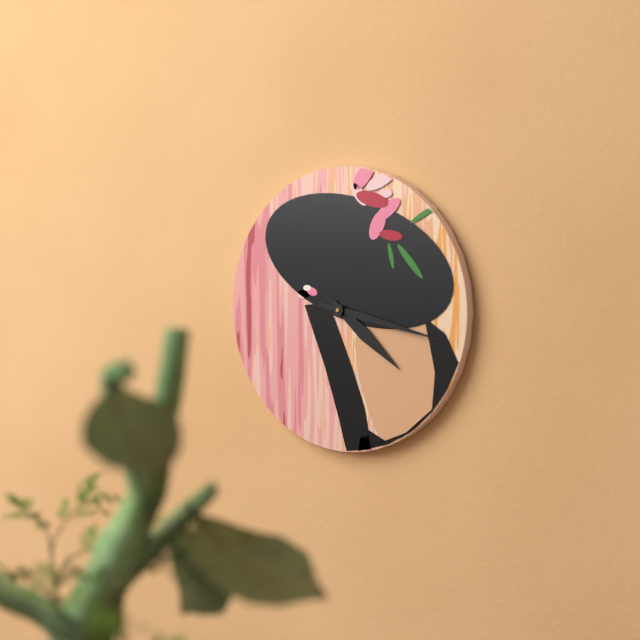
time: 4:17
